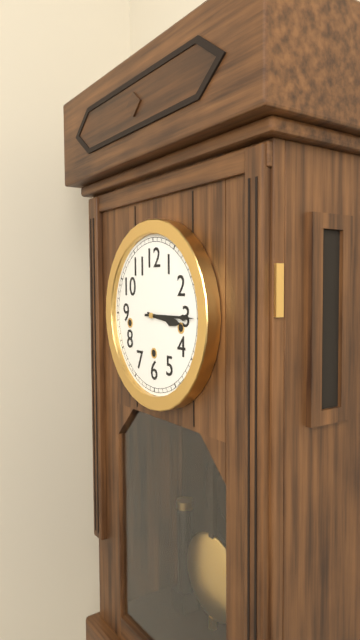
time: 3:15
